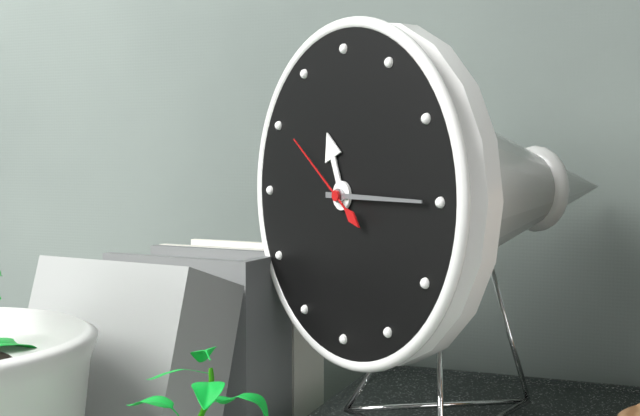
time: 11:15:51
